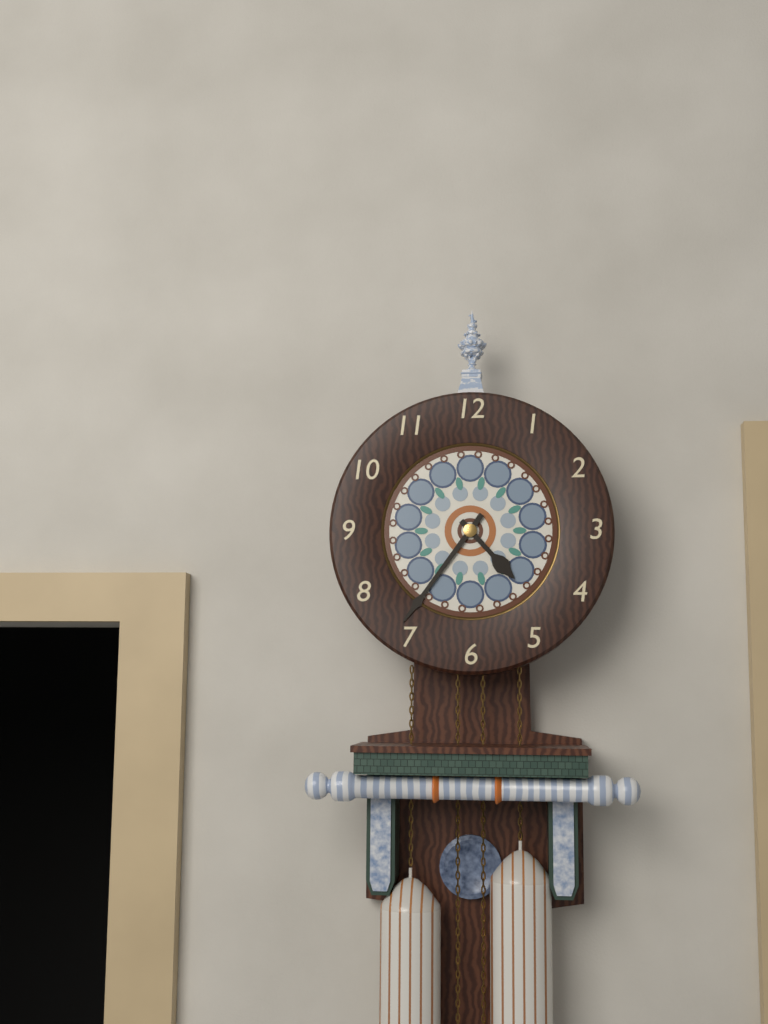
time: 4:36
